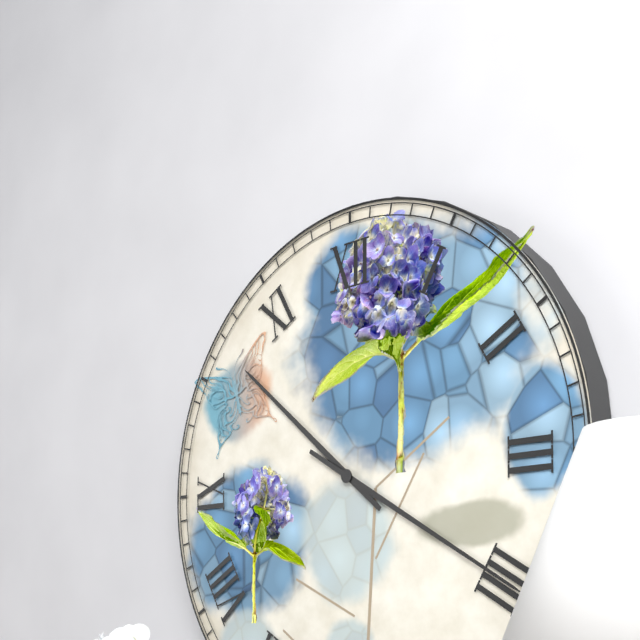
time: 10:20
